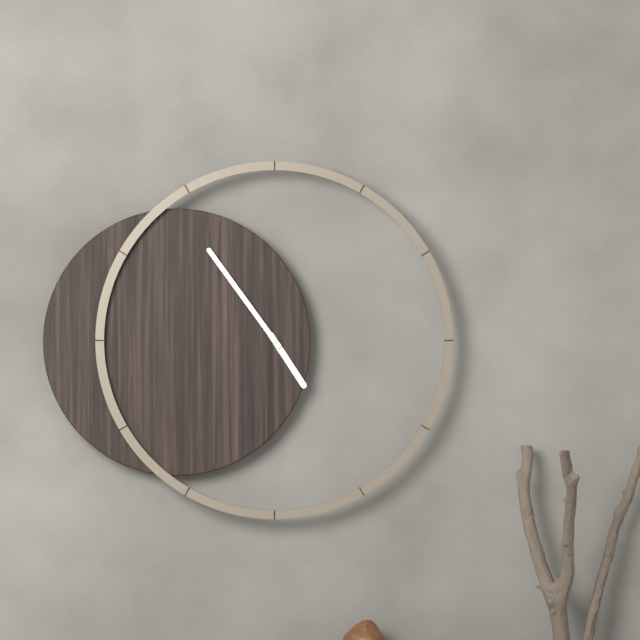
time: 4:54
